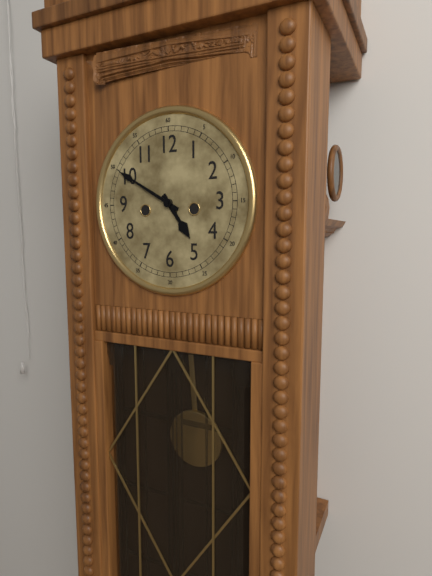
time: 4:50
